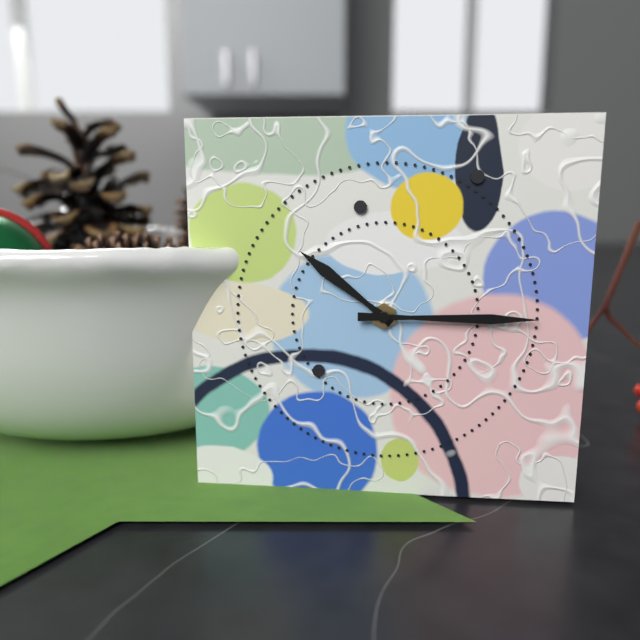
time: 10:15
